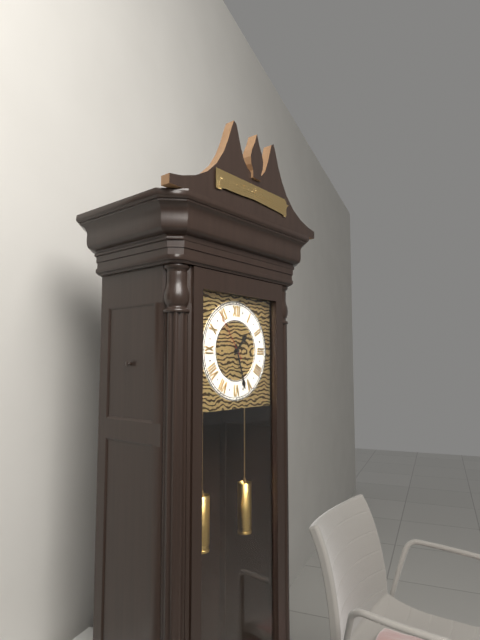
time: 1:27
